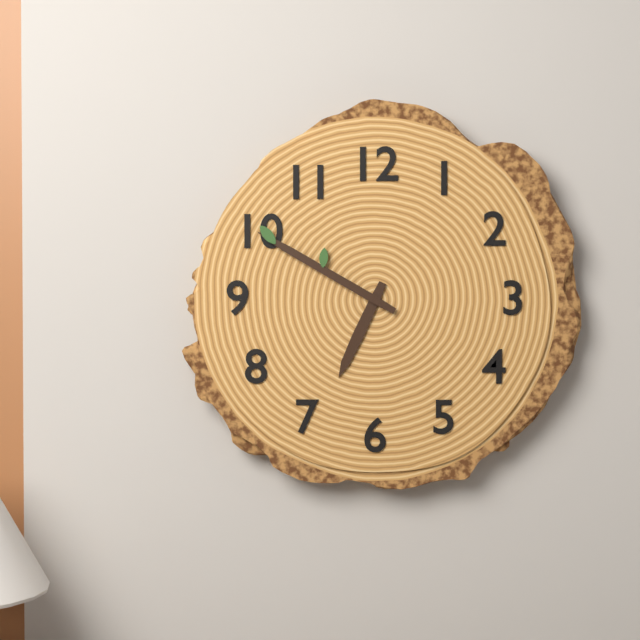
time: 6:50
